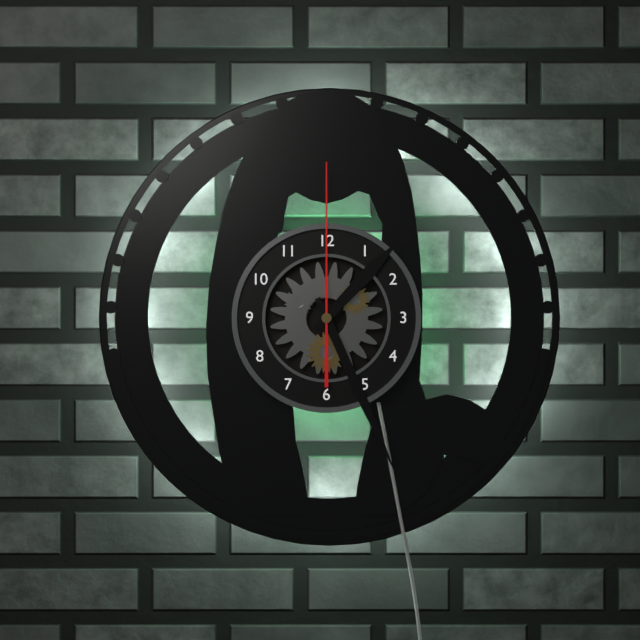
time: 1:26:00
